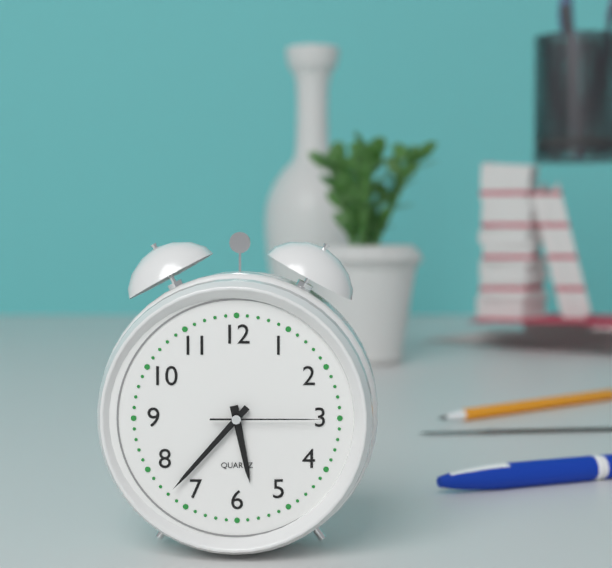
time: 5:37:15
